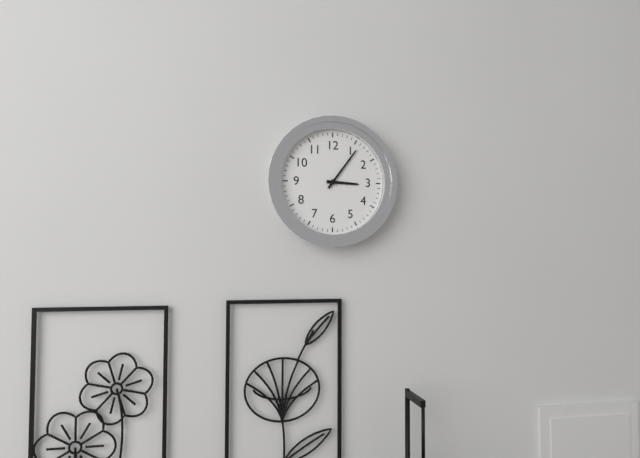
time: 3:06
